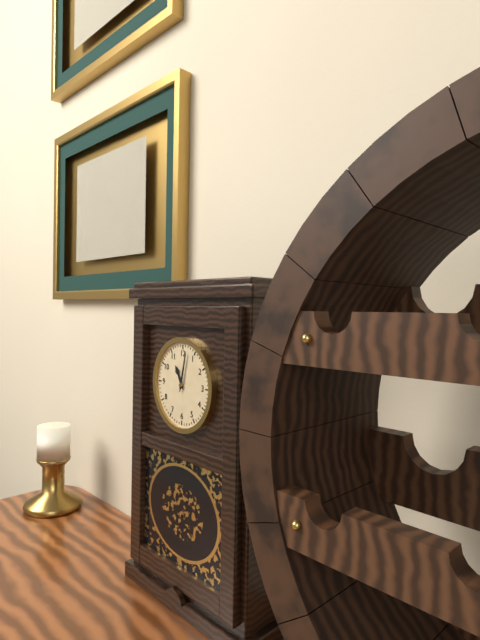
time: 11:02
